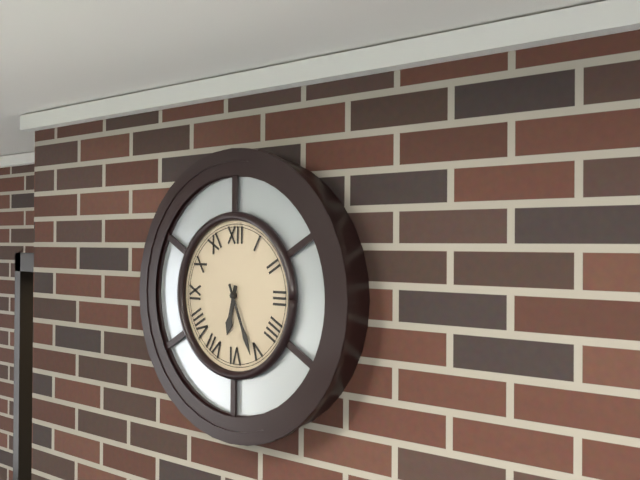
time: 6:26
